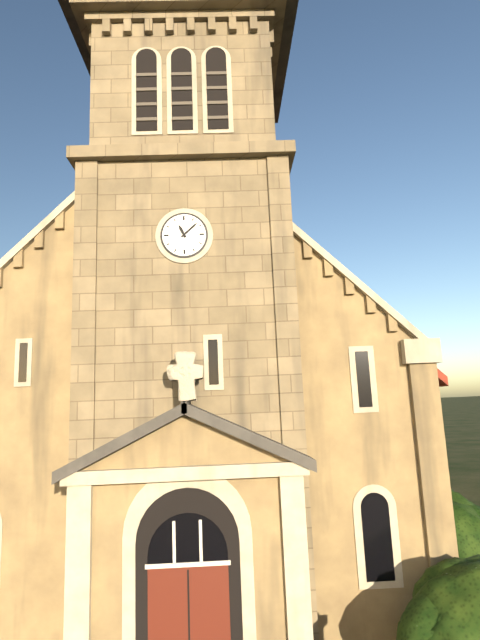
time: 11:08
